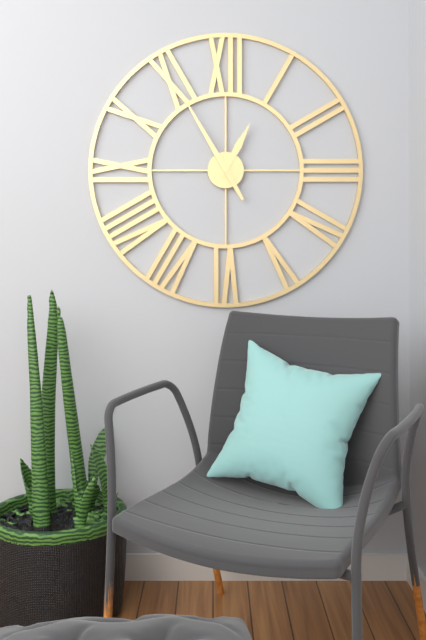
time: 12:55
